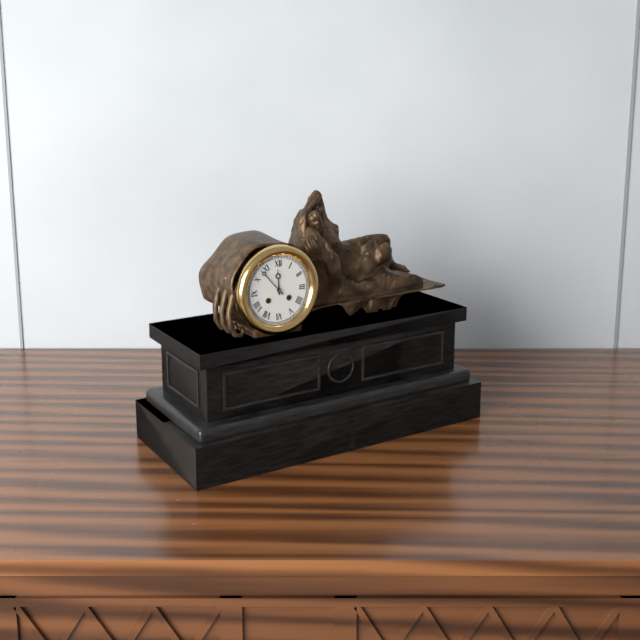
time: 11:53
